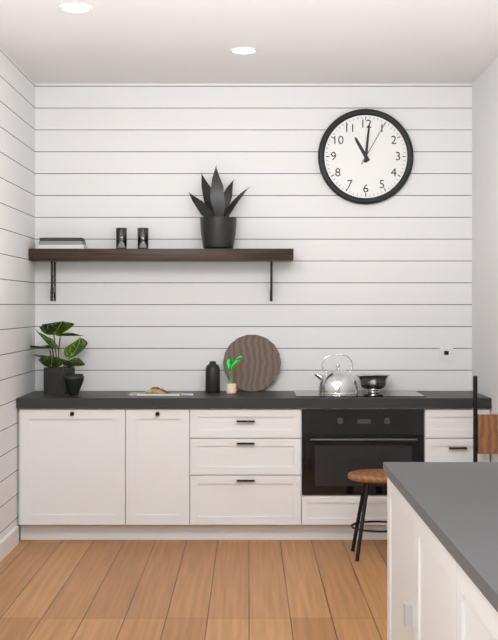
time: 11:01
